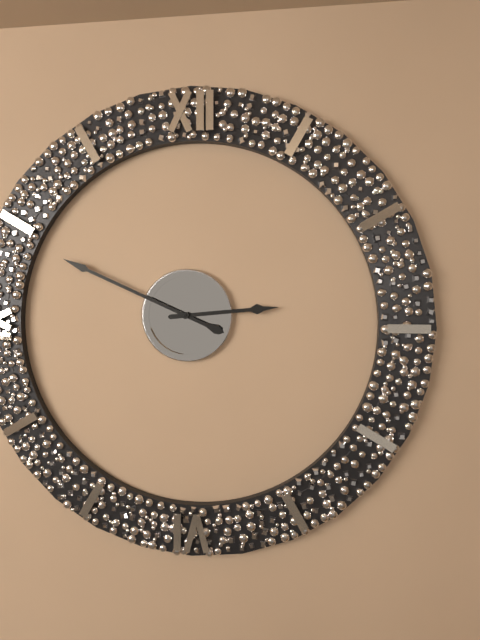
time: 2:49
